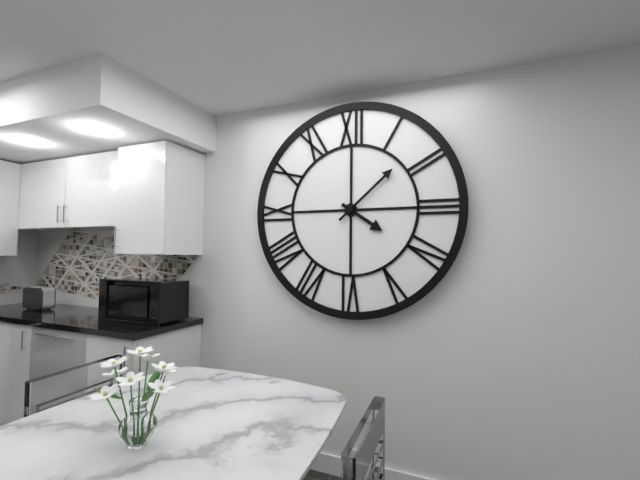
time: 4:08
